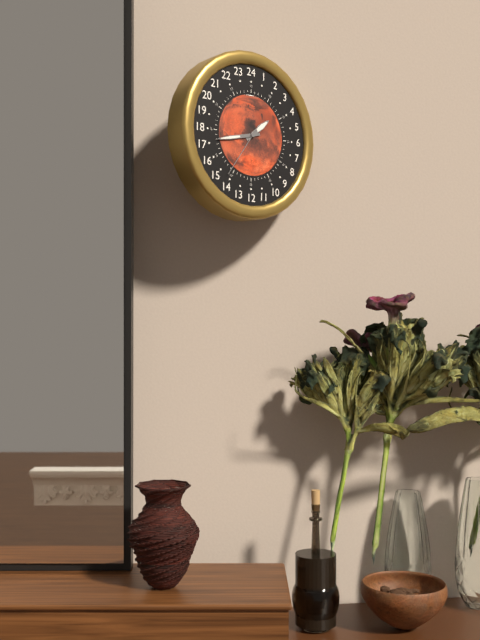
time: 1:43
